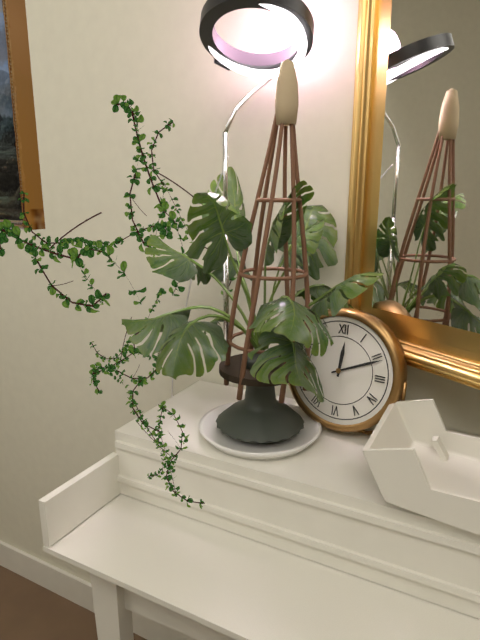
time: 12:11
